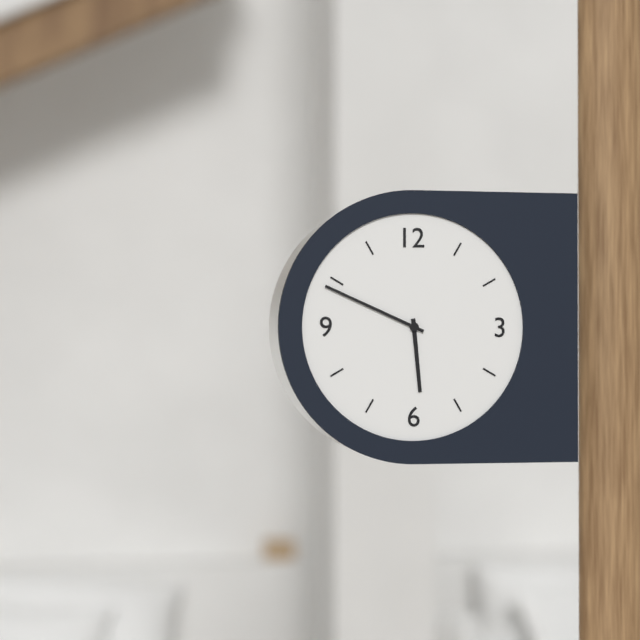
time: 5:49
